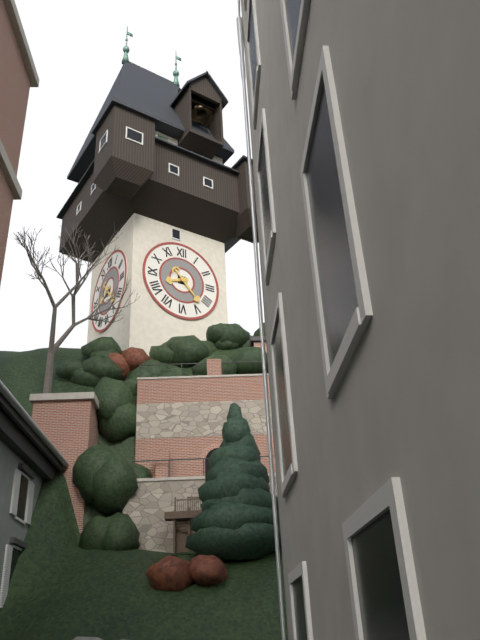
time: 8:23
